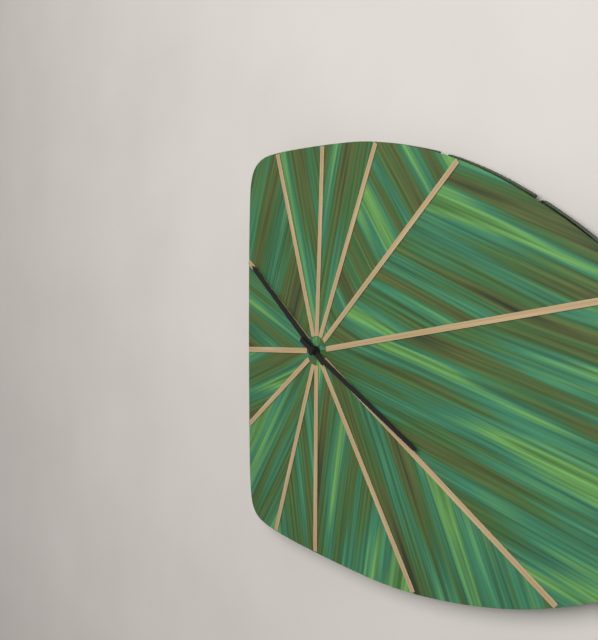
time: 10:20
